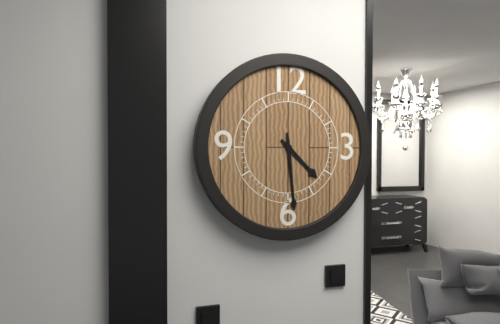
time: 4:29
